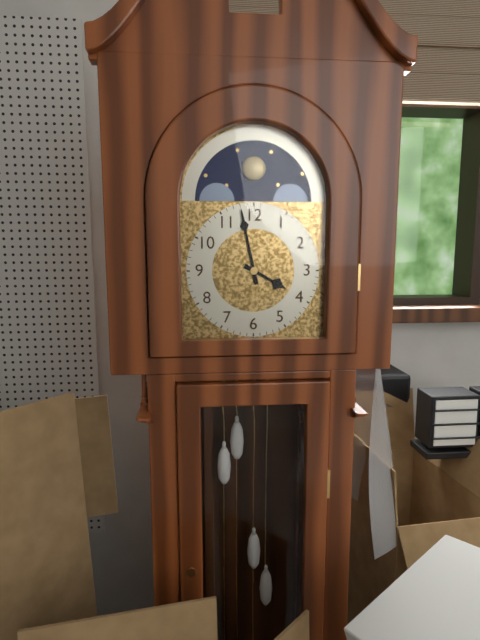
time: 3:58
